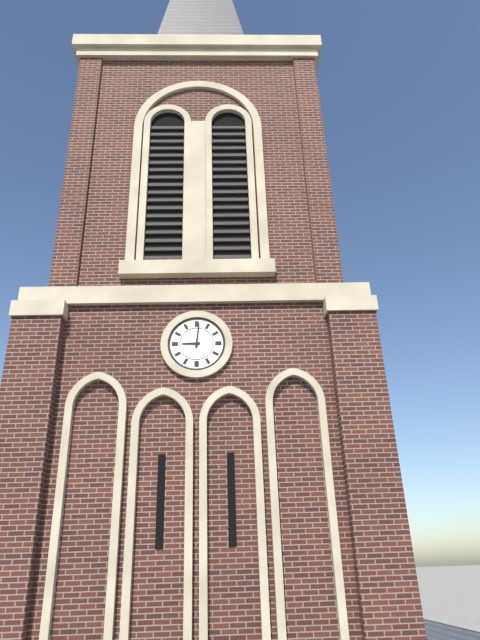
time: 9:01
